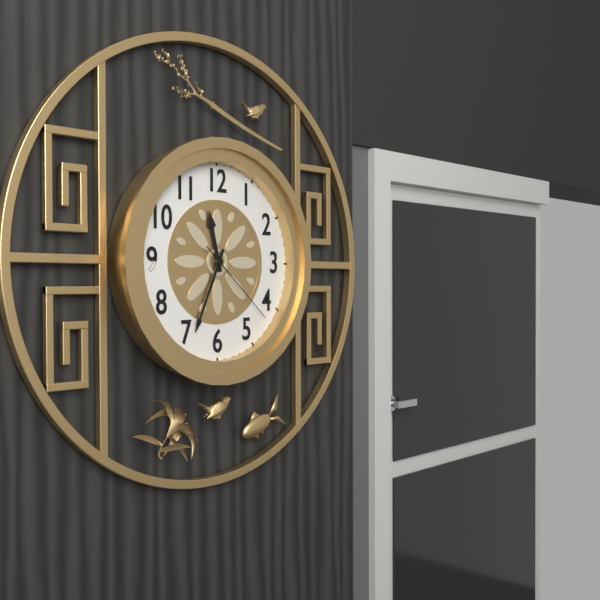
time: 11:34:22
